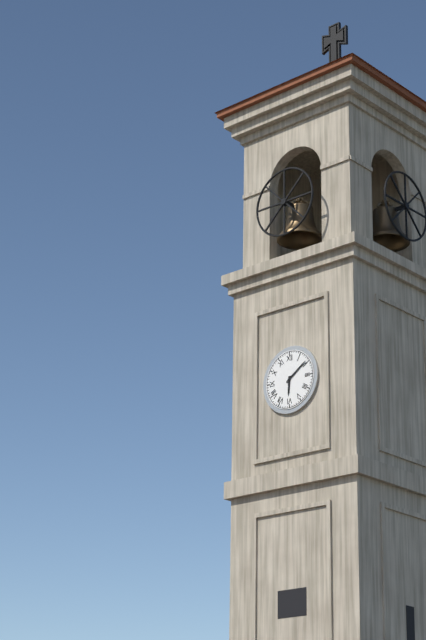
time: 6:09
